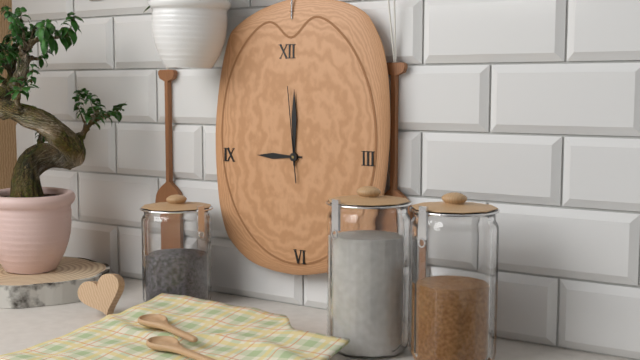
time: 9:00:59
